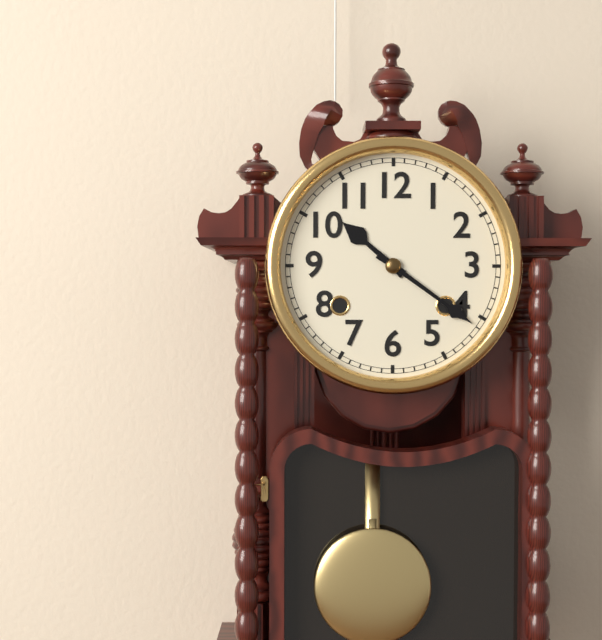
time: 10:21
